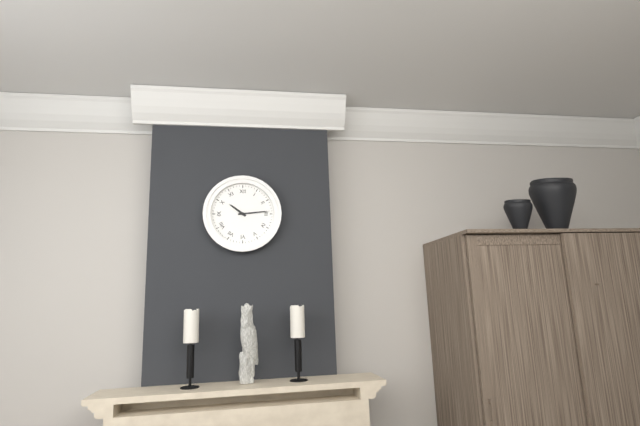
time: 10:14
